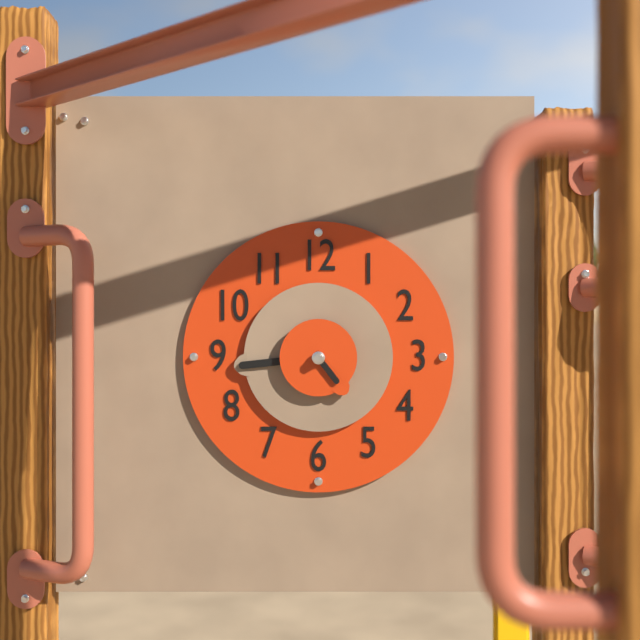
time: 4:44
